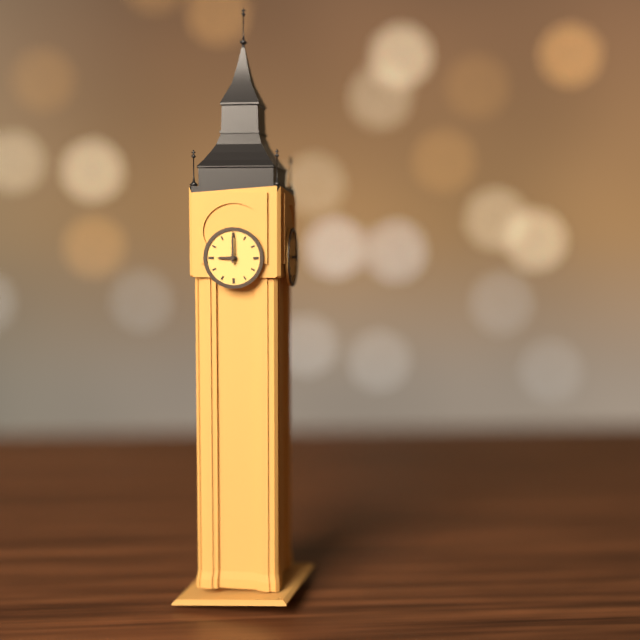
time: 9:00
